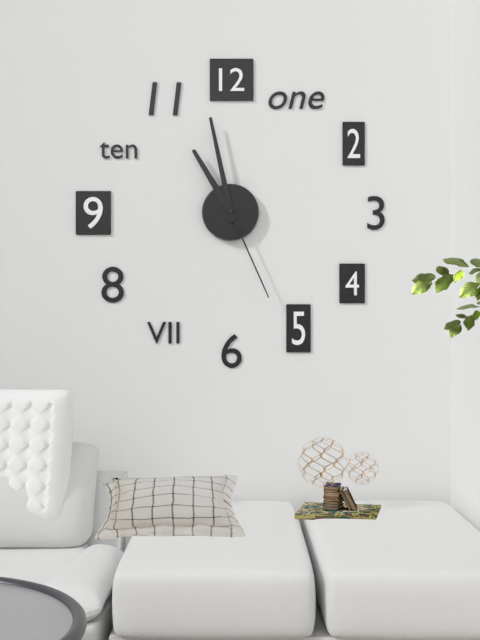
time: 10:58:26
